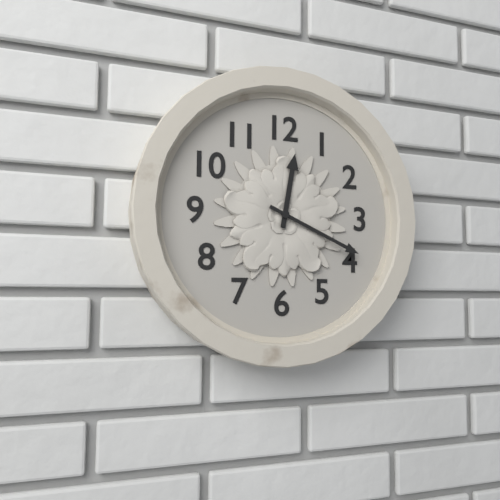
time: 12:19
